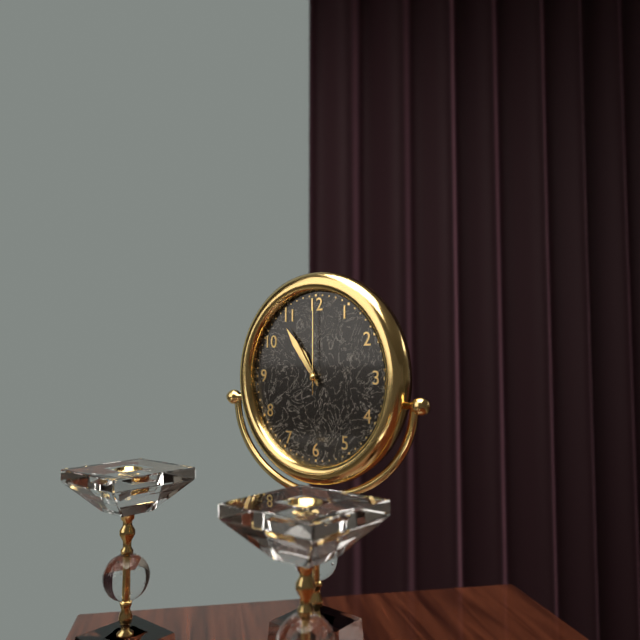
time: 10:54:00
